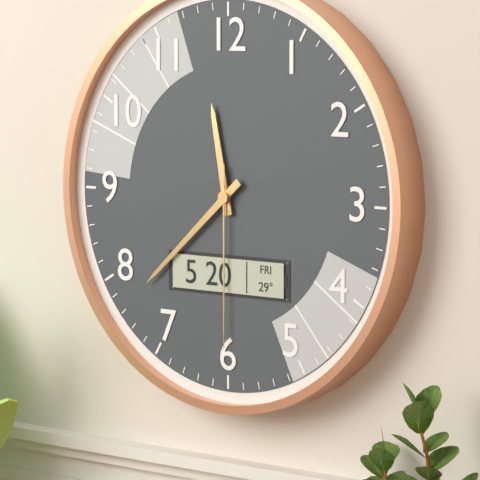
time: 11:38:30
